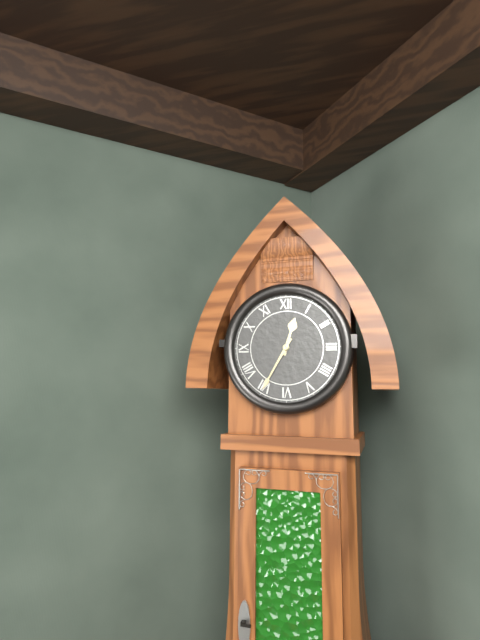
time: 12:35
